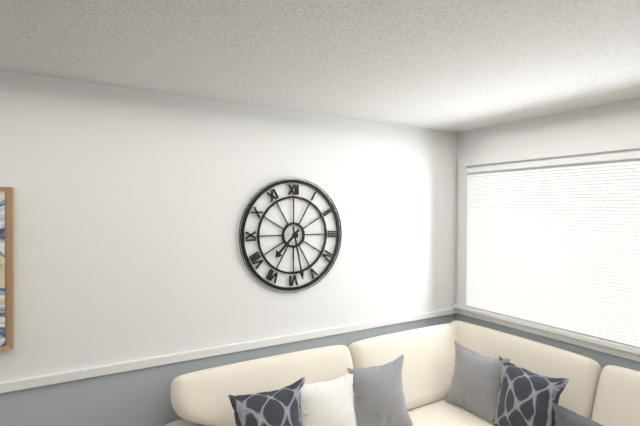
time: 7:28
